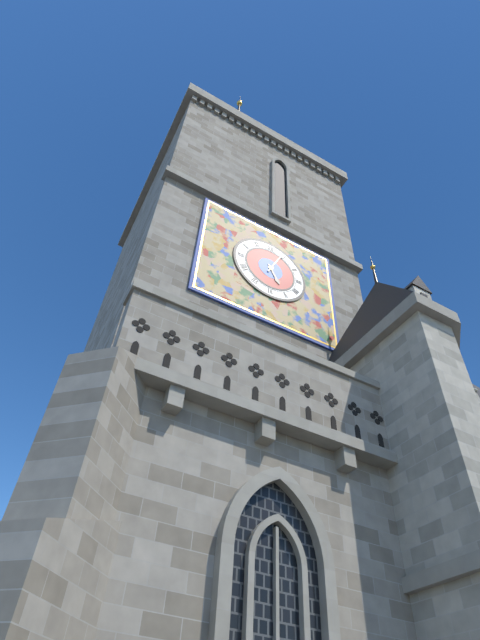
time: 5:04
